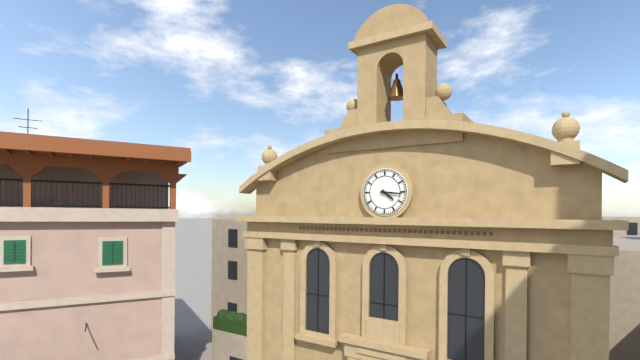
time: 4:16
